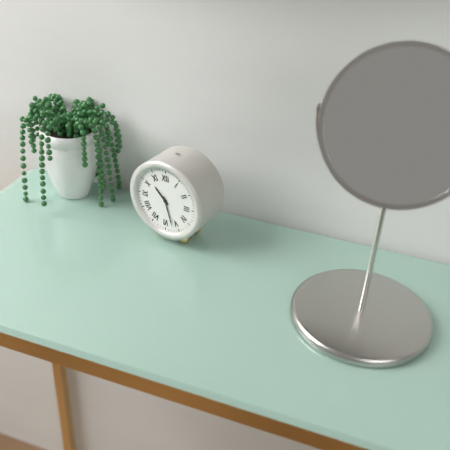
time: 10:27
